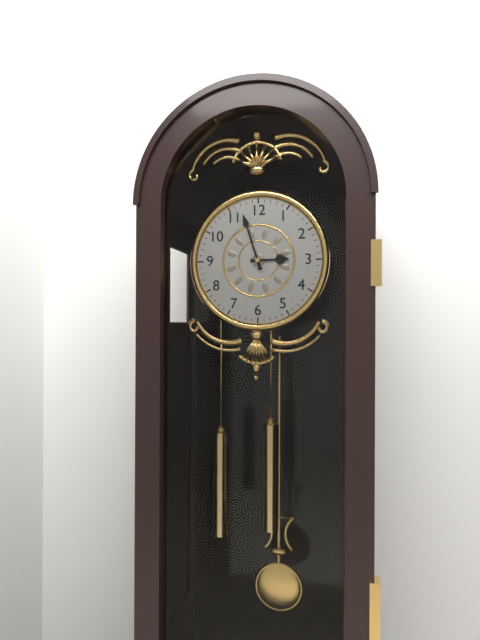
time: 2:57
